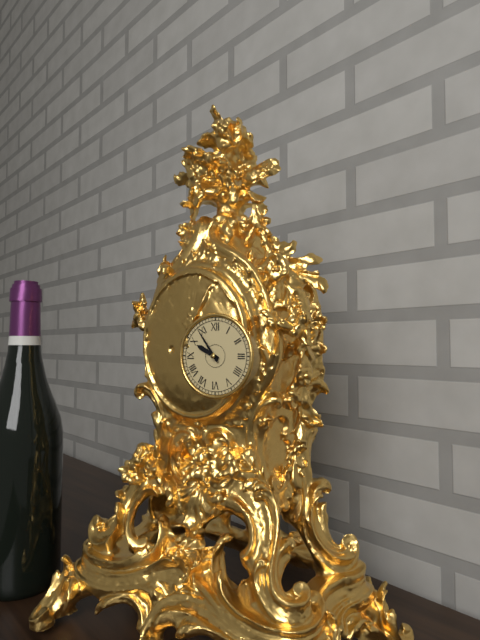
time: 9:54
